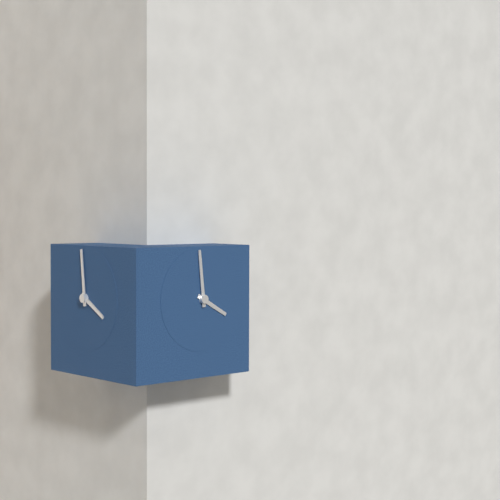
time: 3:59
